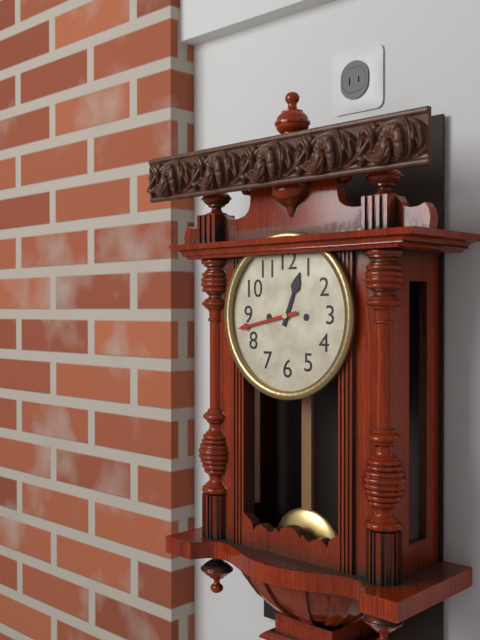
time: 12:43
